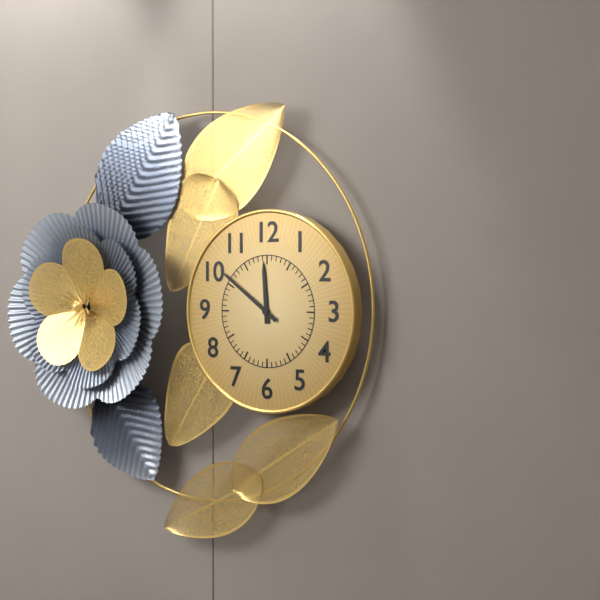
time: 11:51
